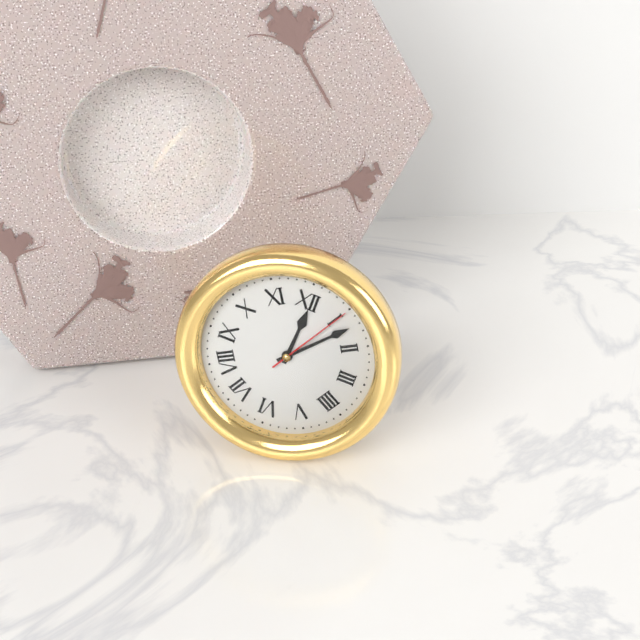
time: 12:07:05
